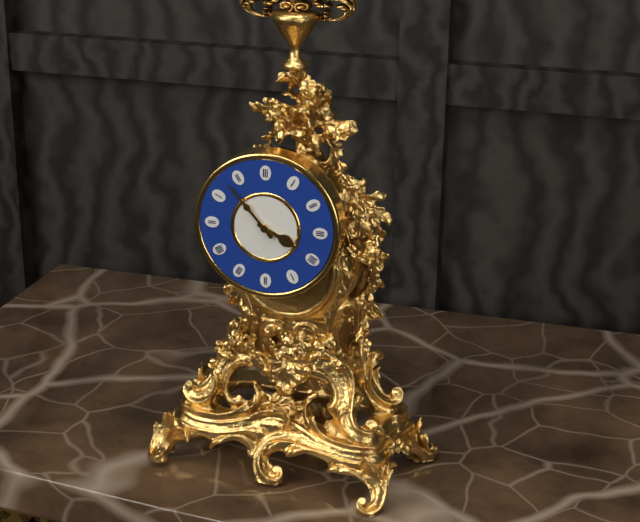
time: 3:53
